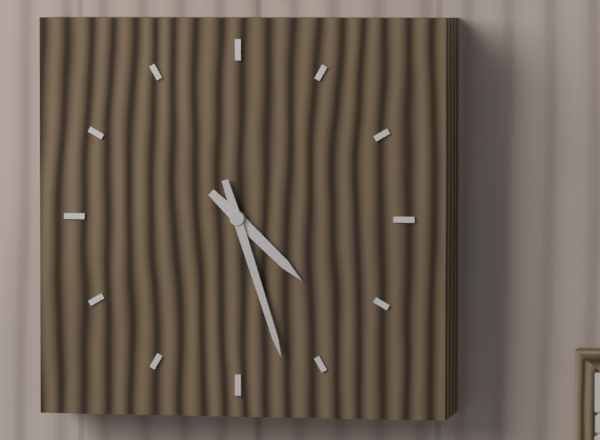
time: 4:27
